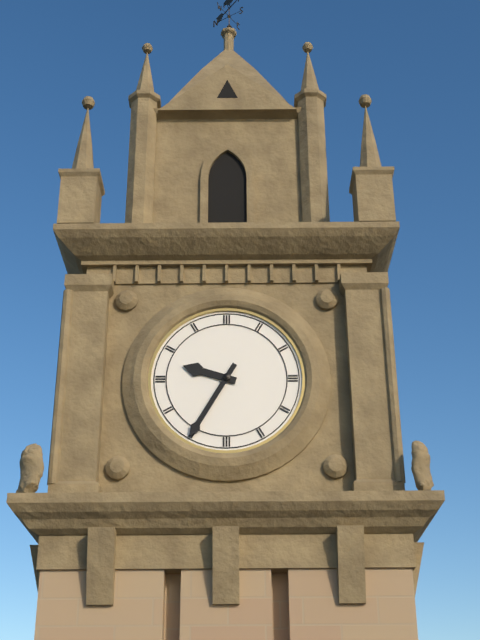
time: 9:35
